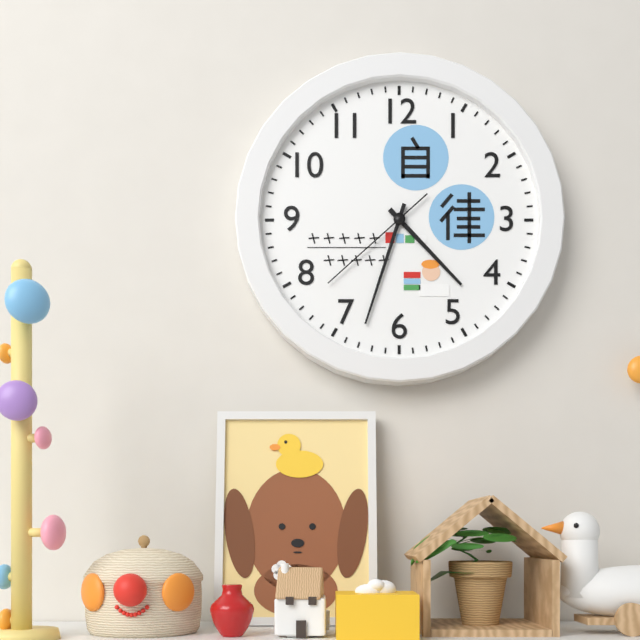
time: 4:33:38
